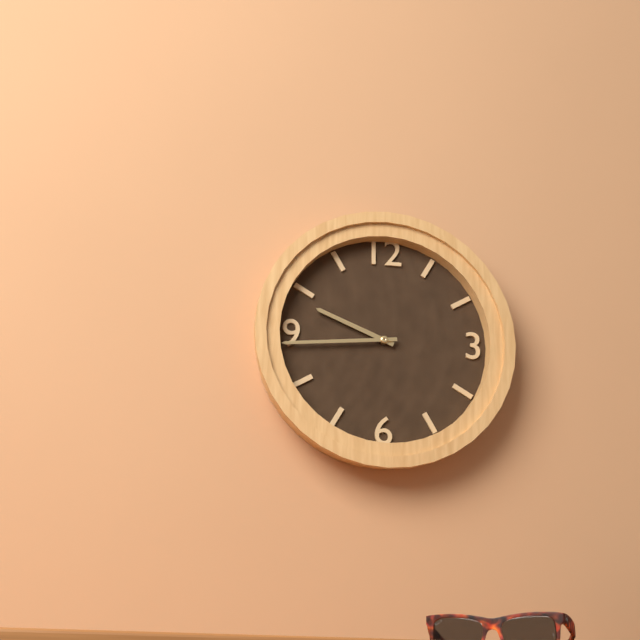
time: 9:44
